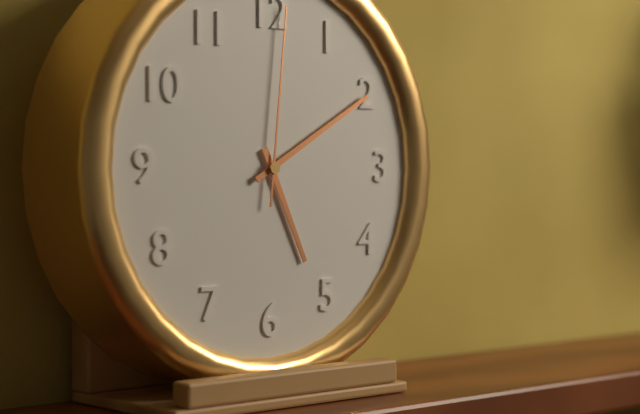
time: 5:10:01
